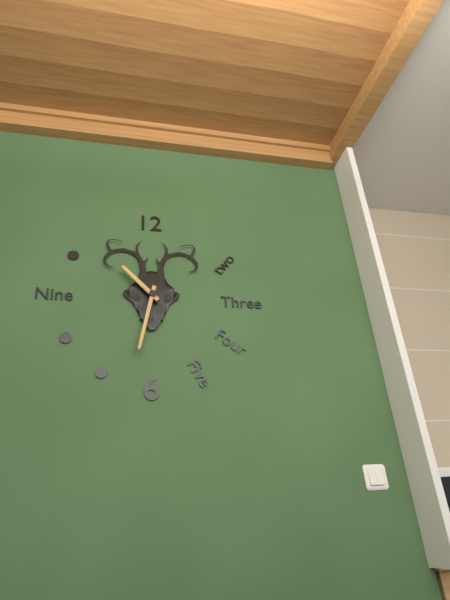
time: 10:32
